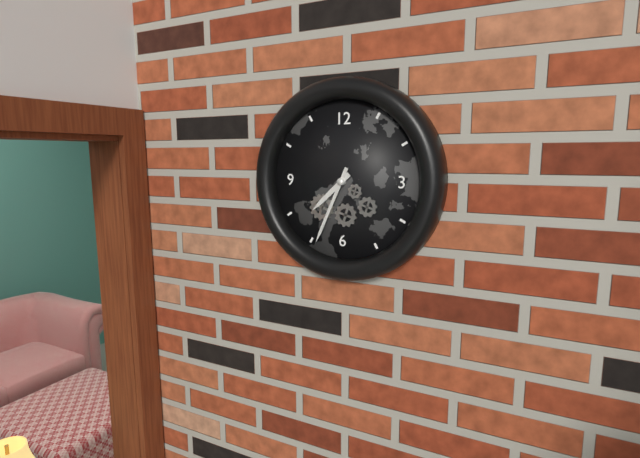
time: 7:34
